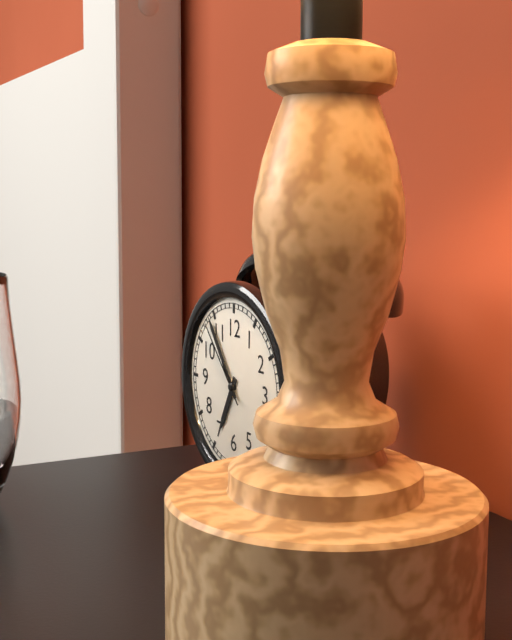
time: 6:54:53
